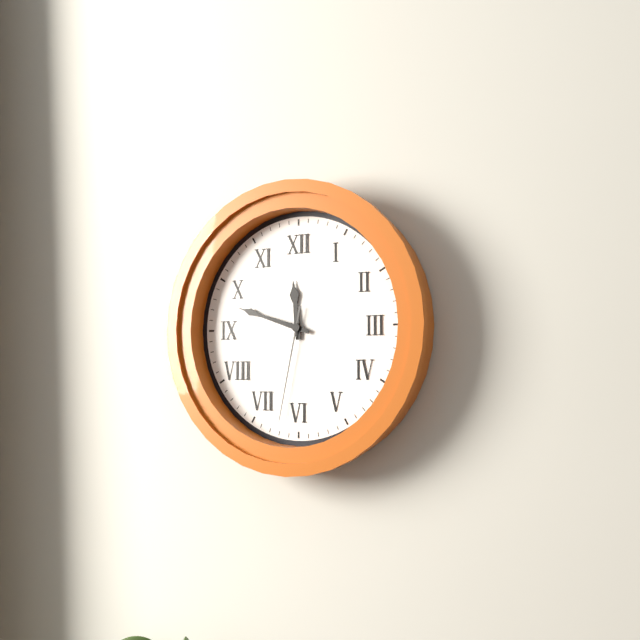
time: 11:48:32
